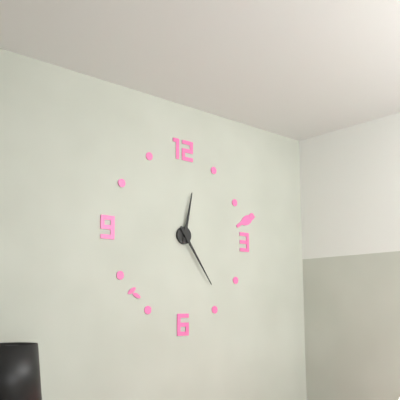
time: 12:24
